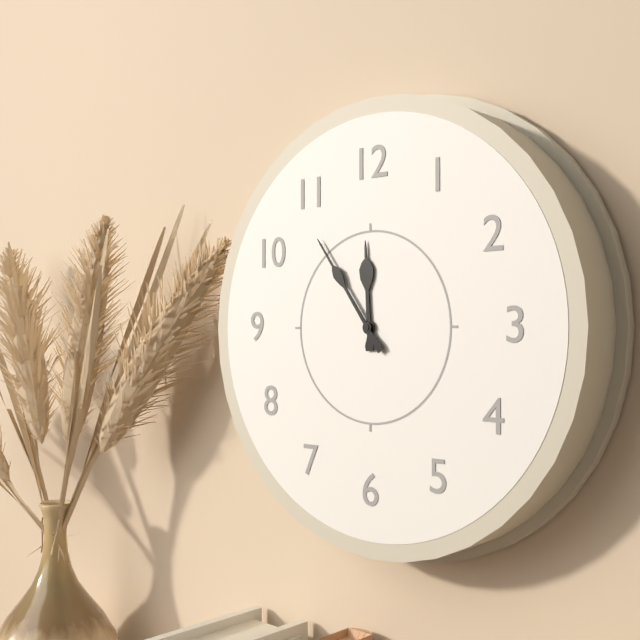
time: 11:54
